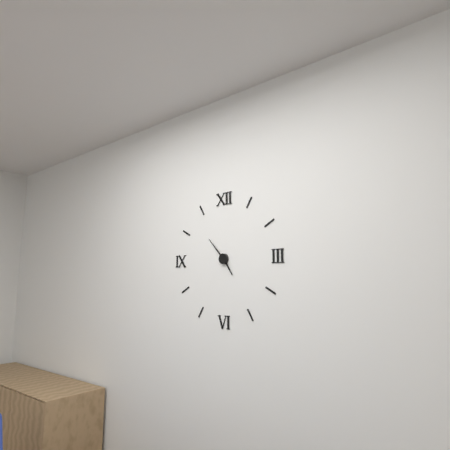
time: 4:53
